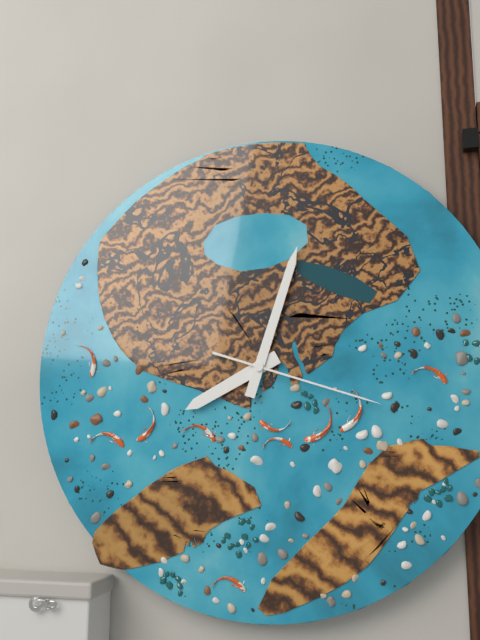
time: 8:03:18
